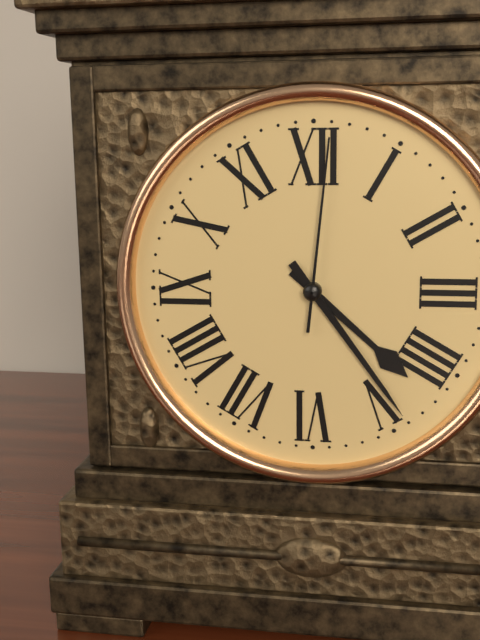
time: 4:24:01
